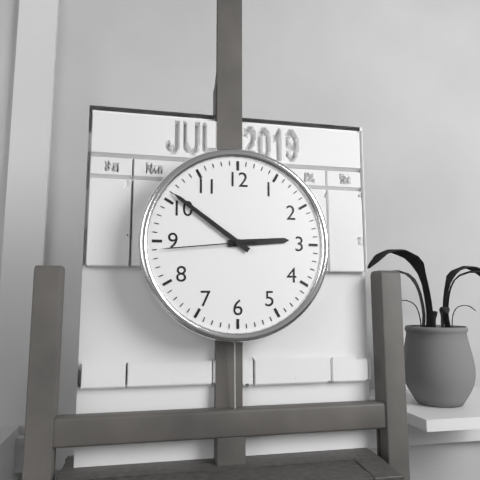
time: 2:51:44
